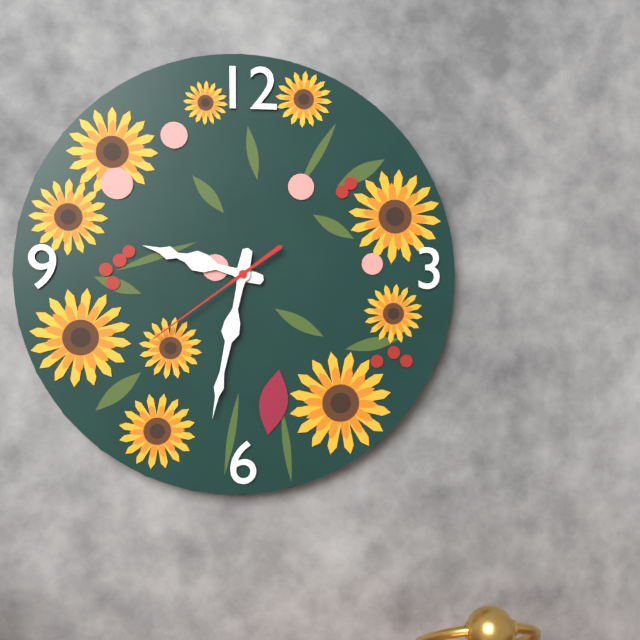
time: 9:32:39
